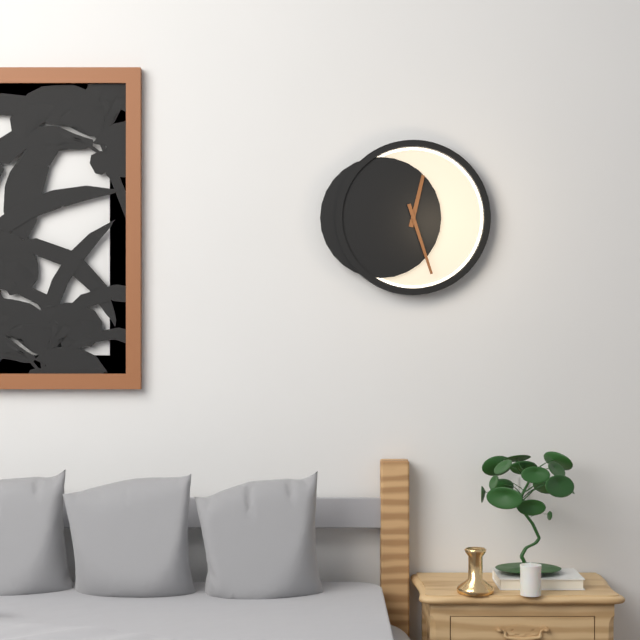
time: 12:27
